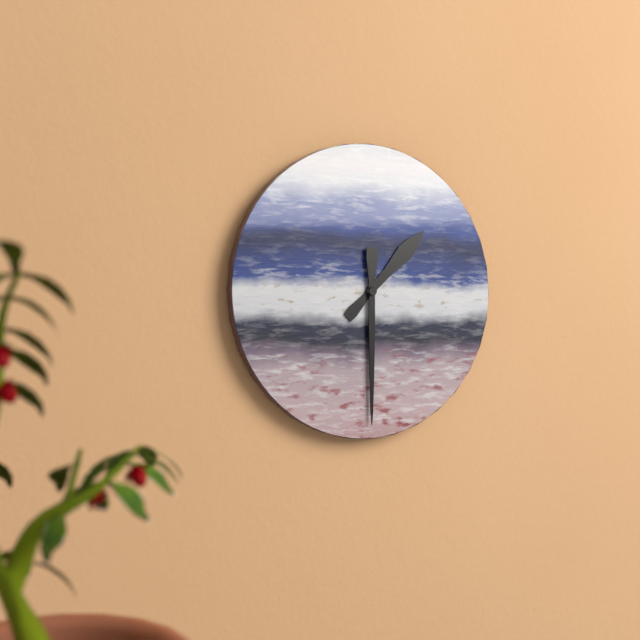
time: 1:30
